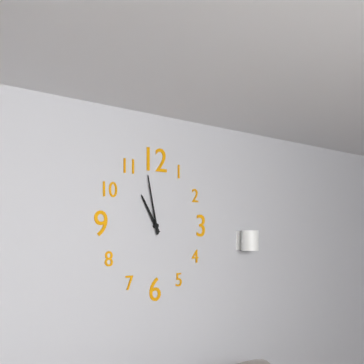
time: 10:58
